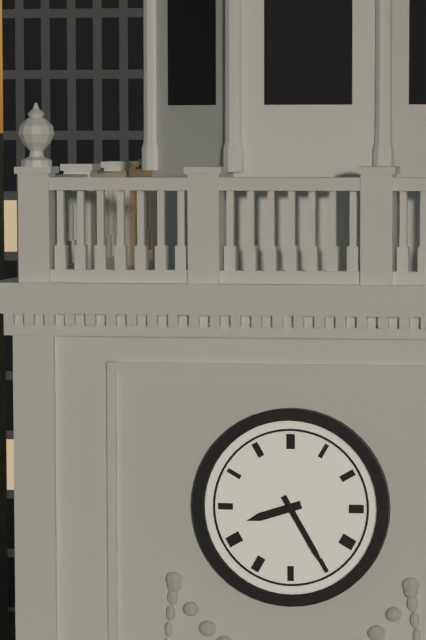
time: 8:25
